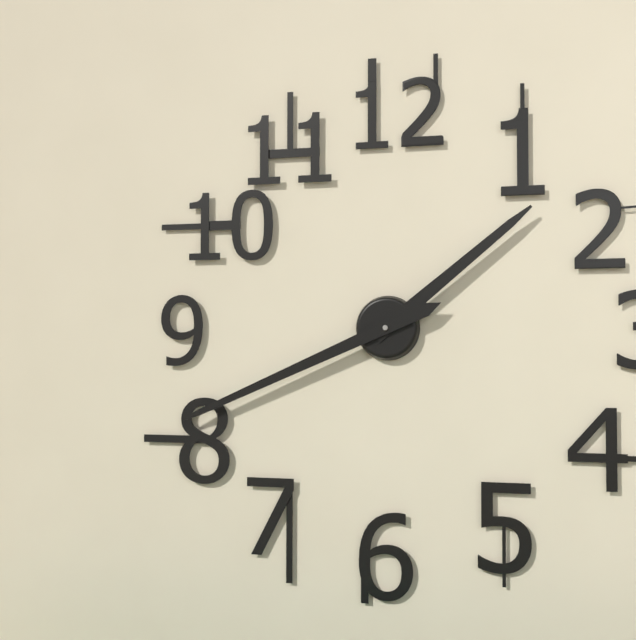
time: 1:41
